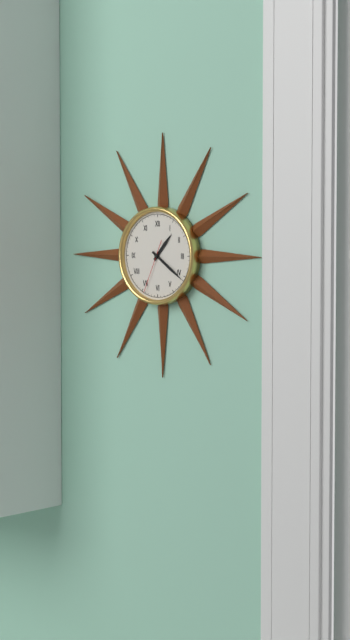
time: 1:21:34
